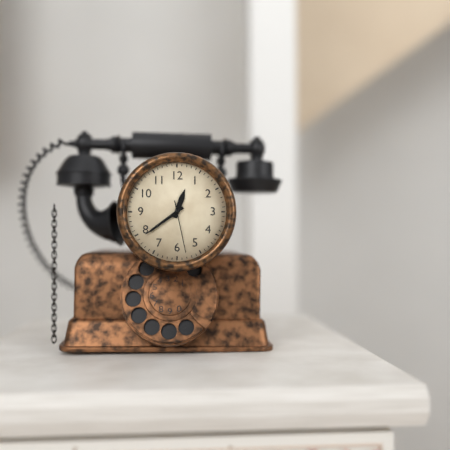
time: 12:39:28
